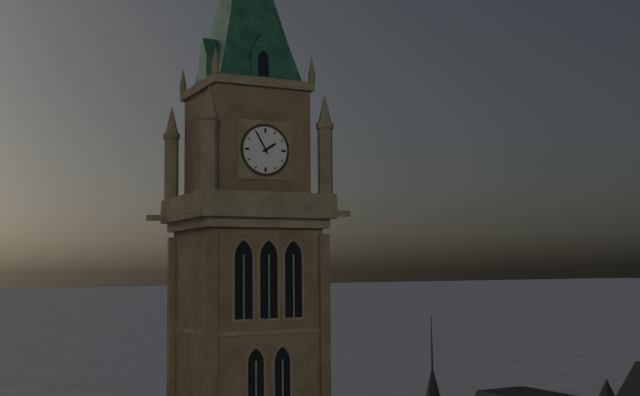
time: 1:55
